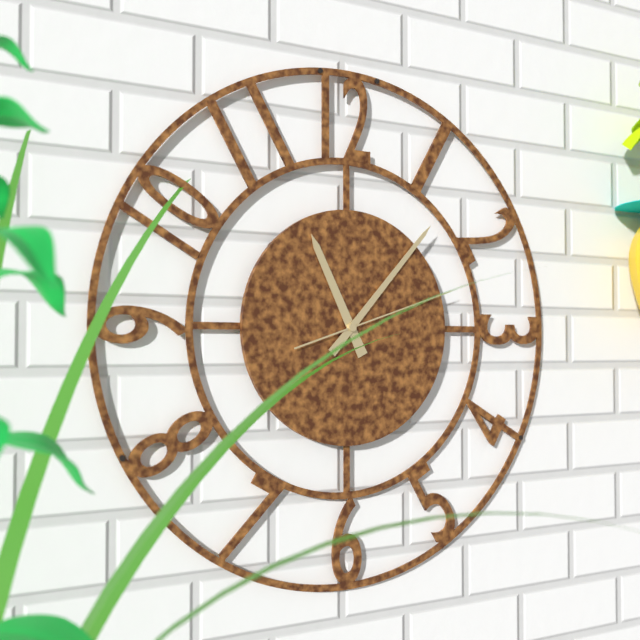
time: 11:07:12
